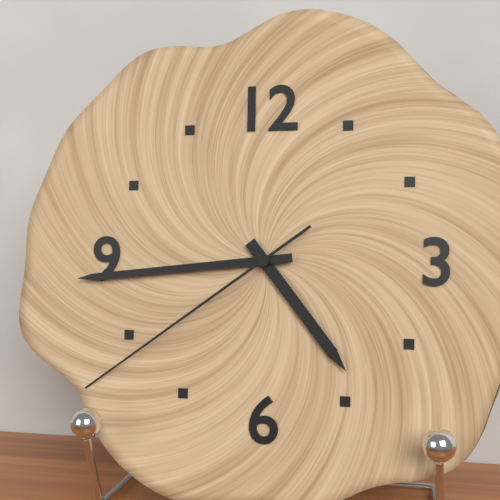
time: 4:44:39
